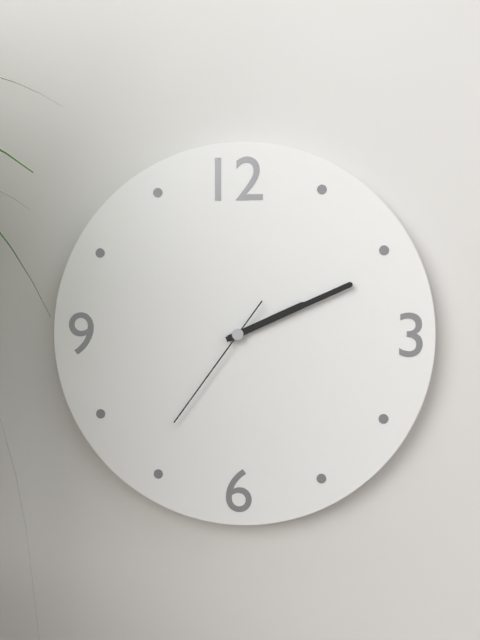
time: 2:11:36
